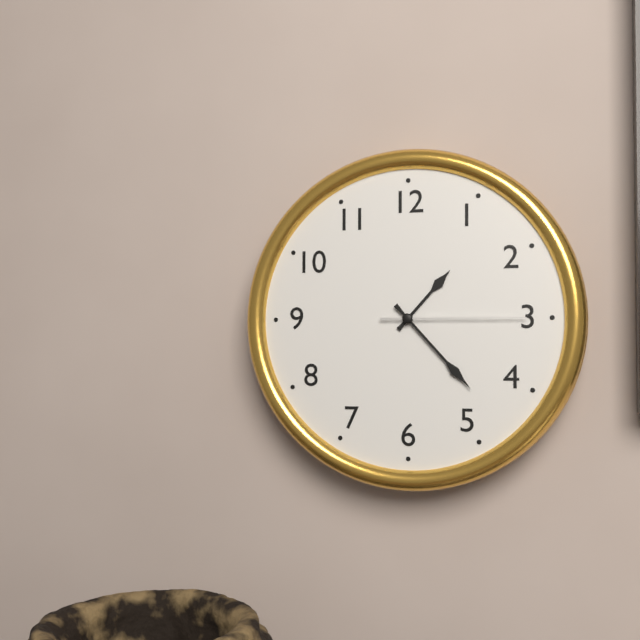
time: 1:23:15
